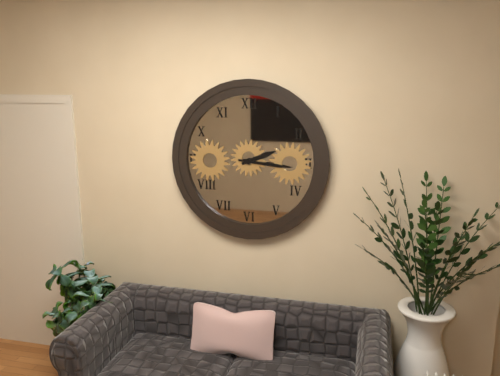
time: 2:16
